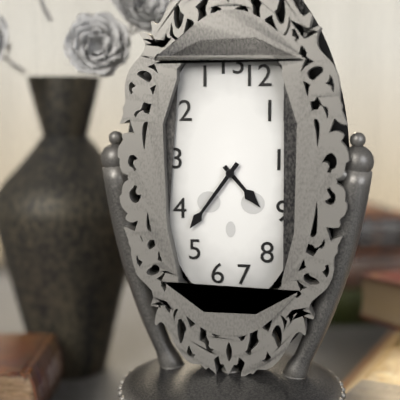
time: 4:36
